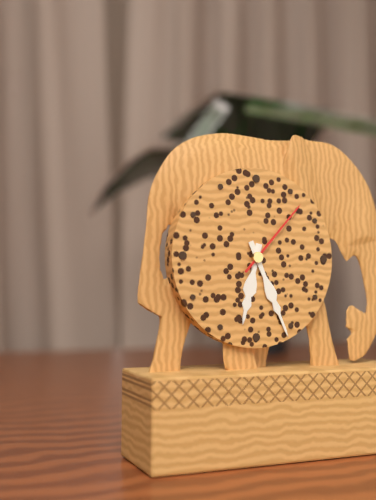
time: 6:26:07
